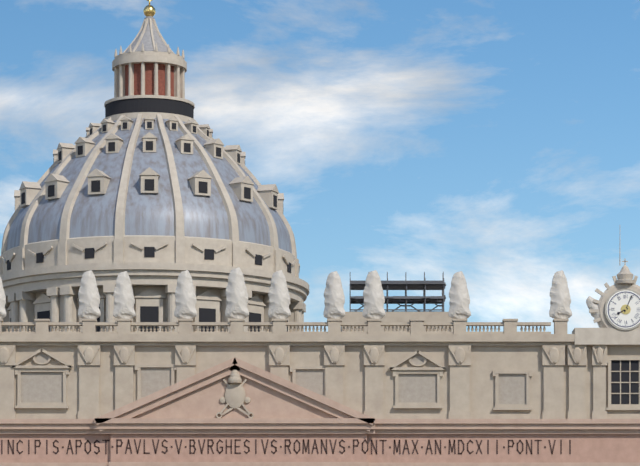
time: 8:04
